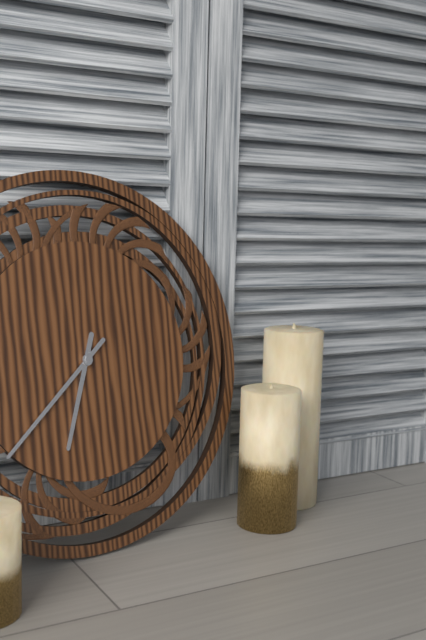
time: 6:38
